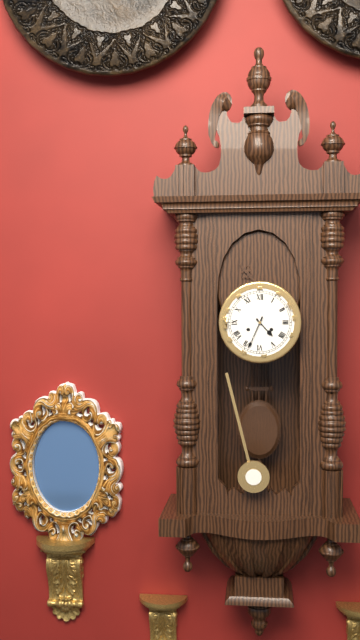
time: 4:34
